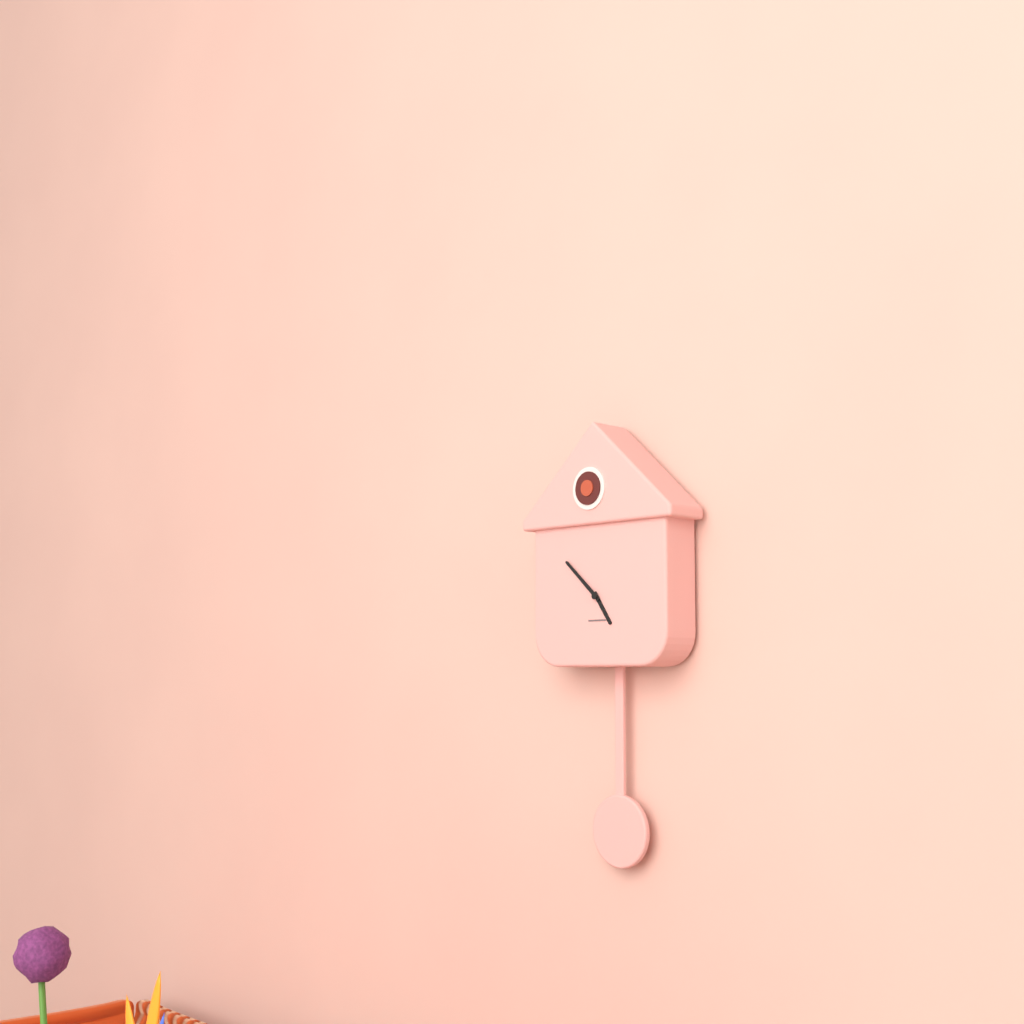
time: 4:52
